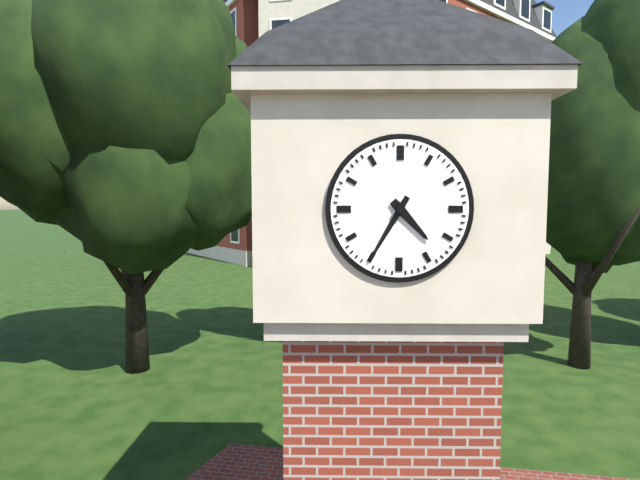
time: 4:35
